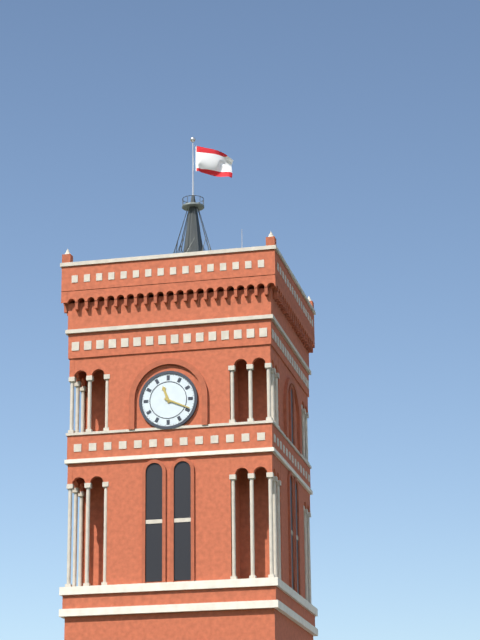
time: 11:19
